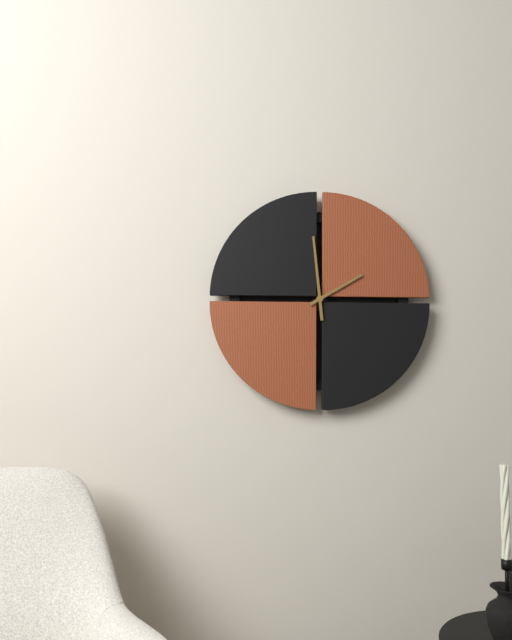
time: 1:59
